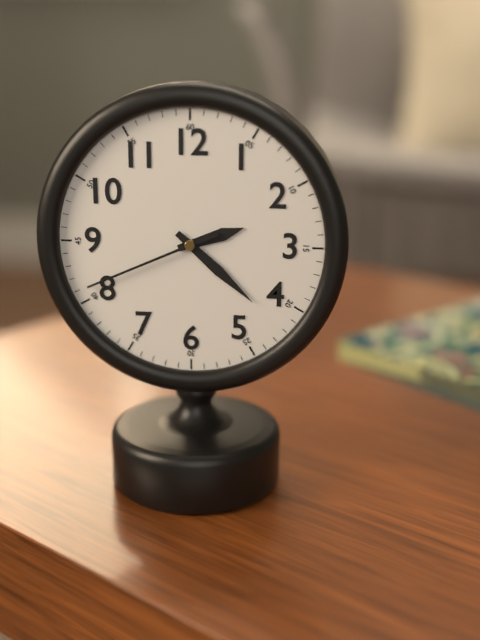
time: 2:22:41
